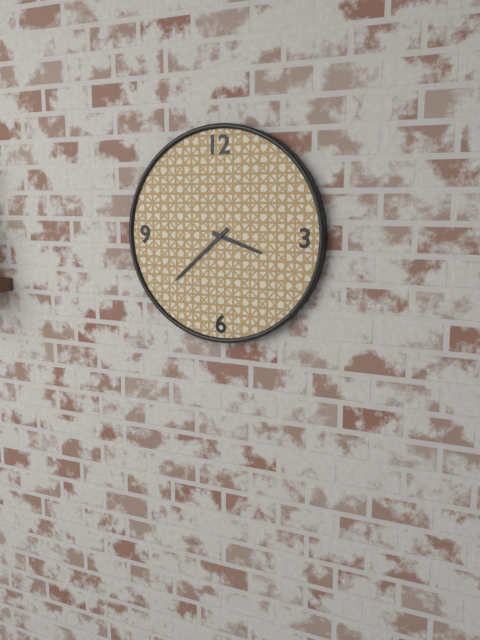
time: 3:38
